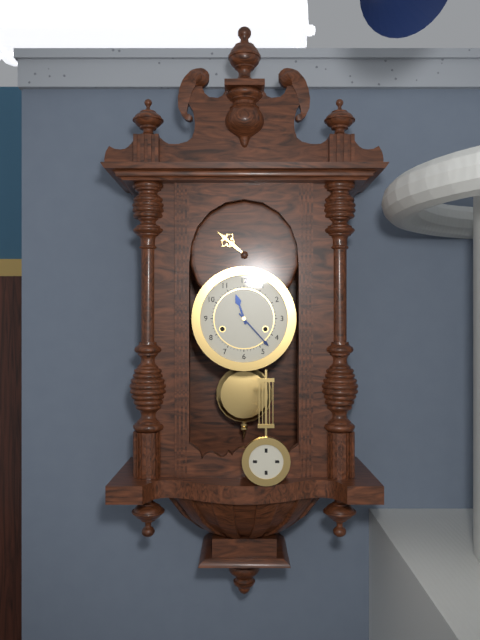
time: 11:23
